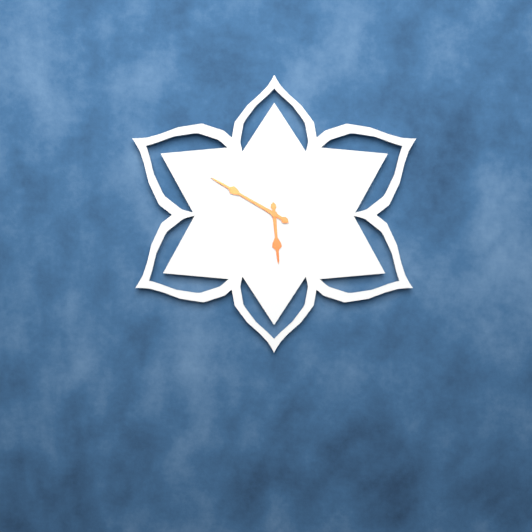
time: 5:50
